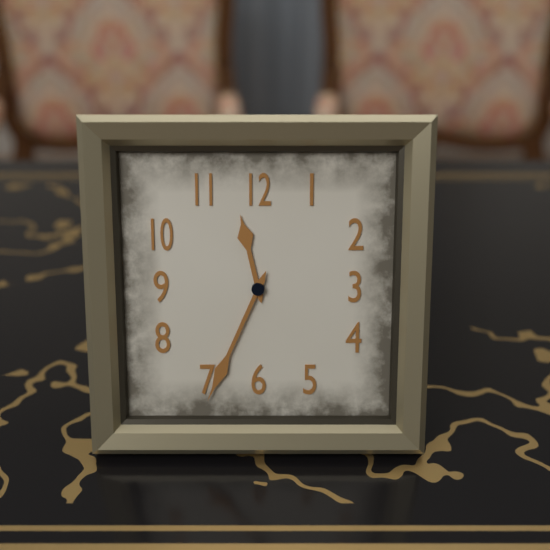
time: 11:34
